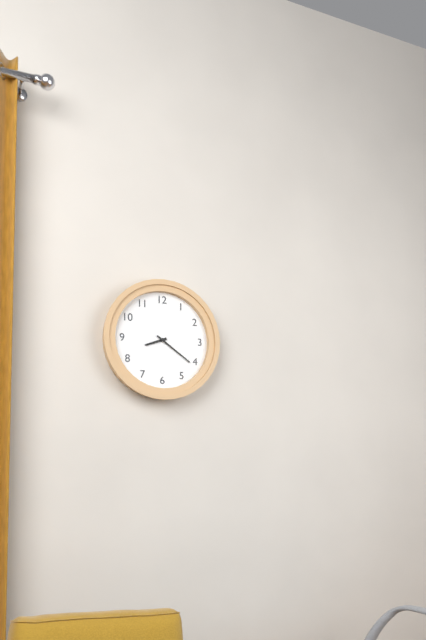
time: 8:21
